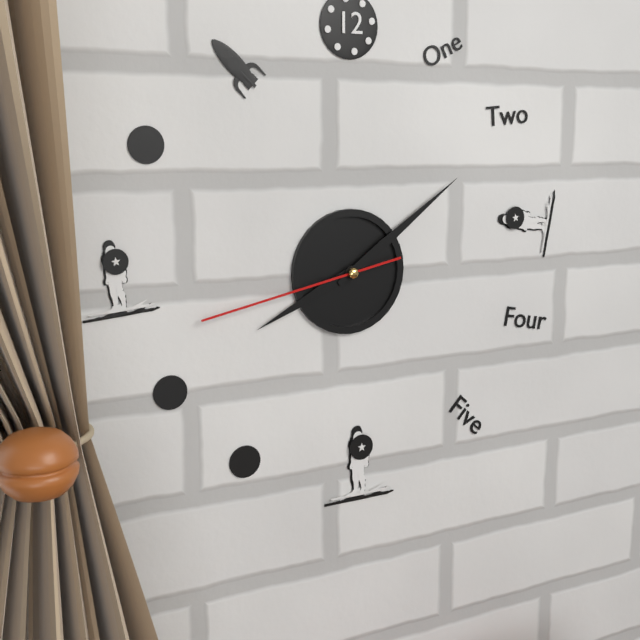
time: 8:09:43
